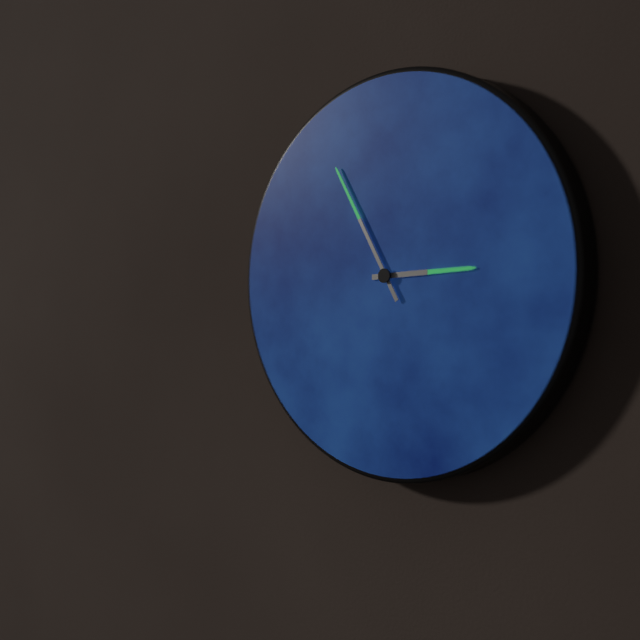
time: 2:55
